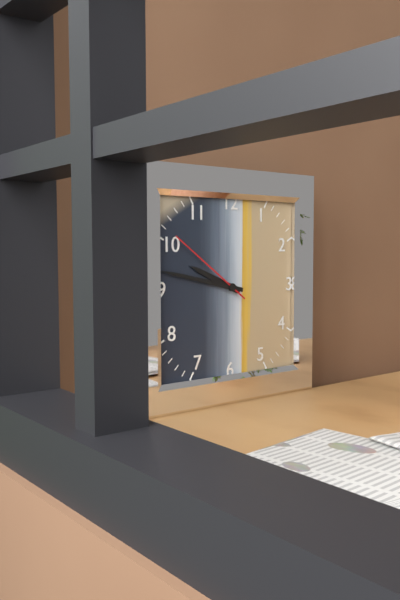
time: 9:47:51
